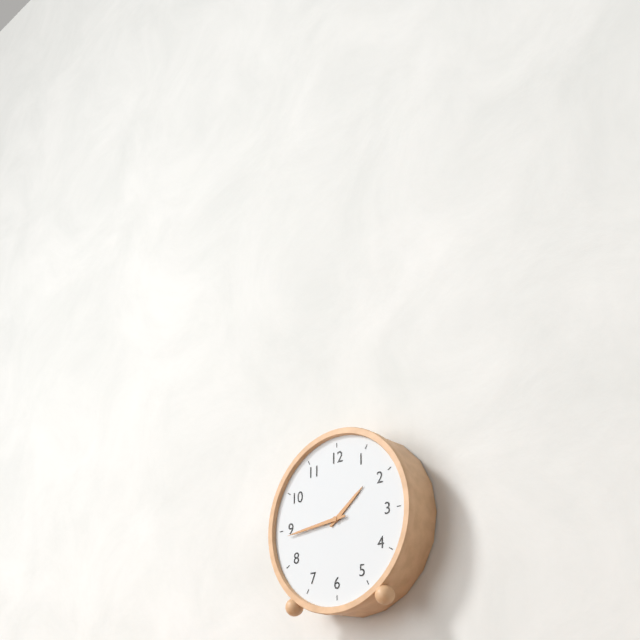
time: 1:44
